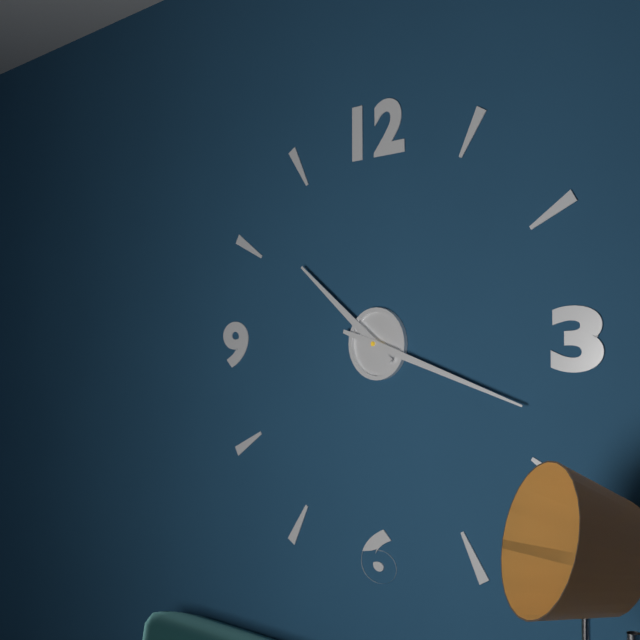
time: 10:18
